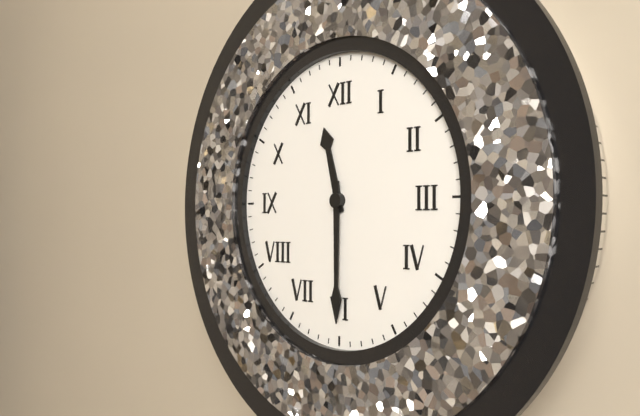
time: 11:30
